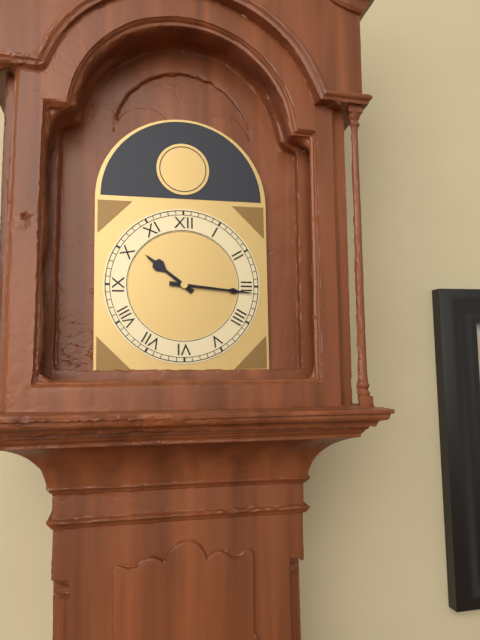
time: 10:16
